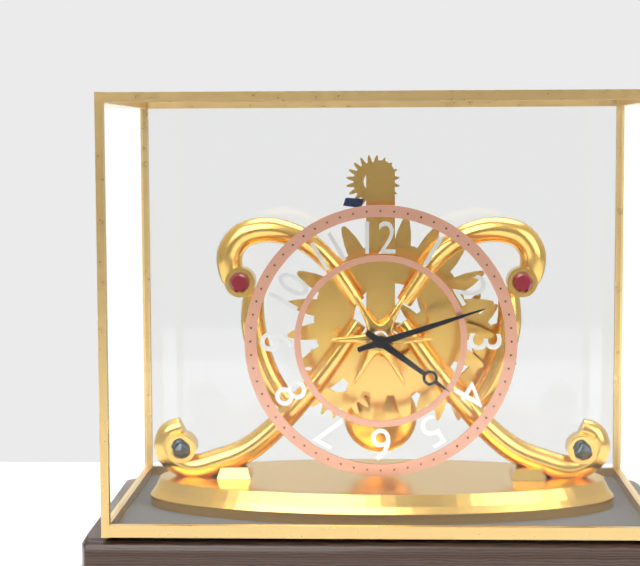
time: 4:12
